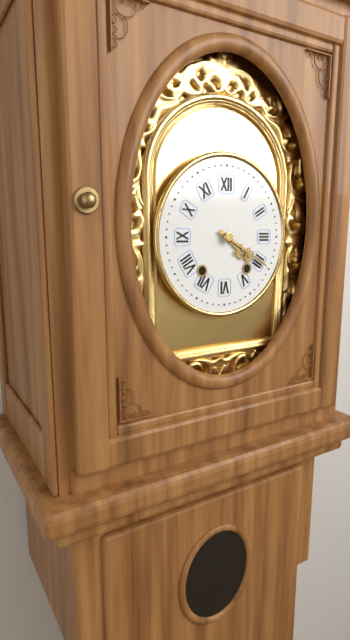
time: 4:20
